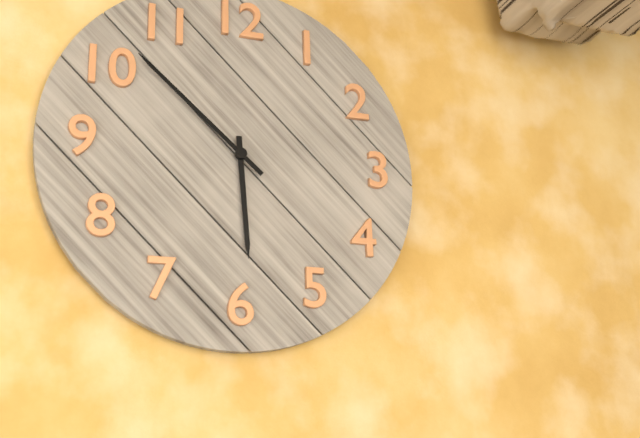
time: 5:52
